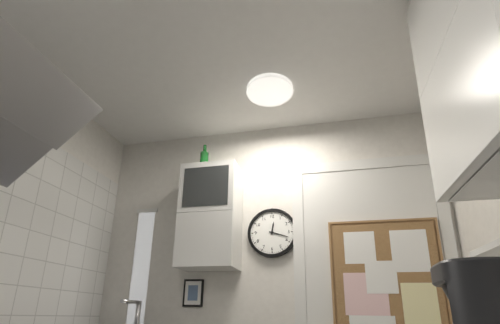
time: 12:18
